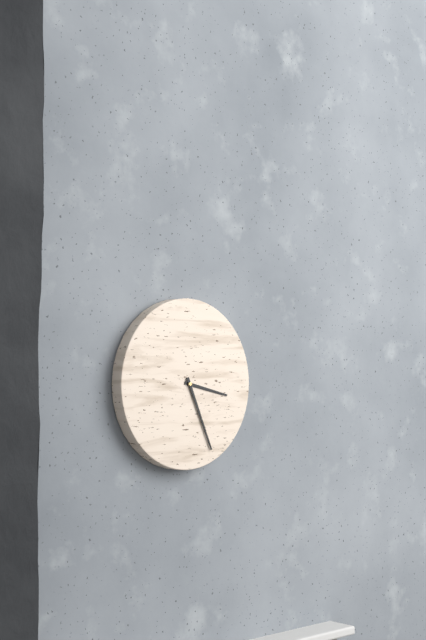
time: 3:26
